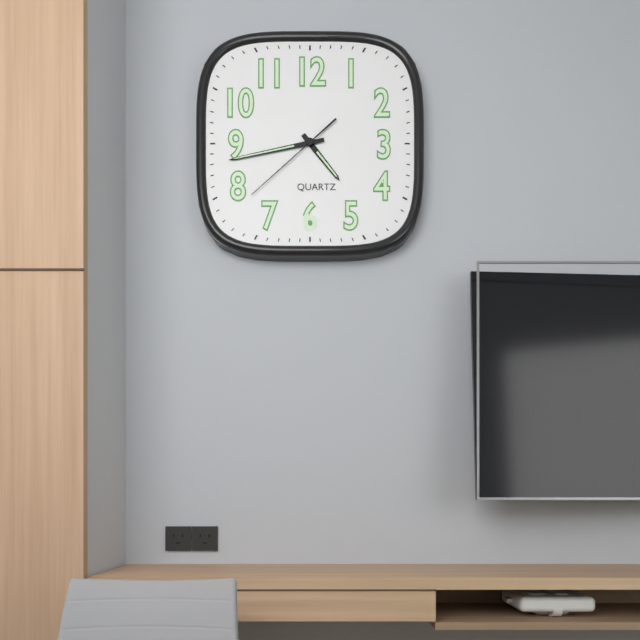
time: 4:43:38
